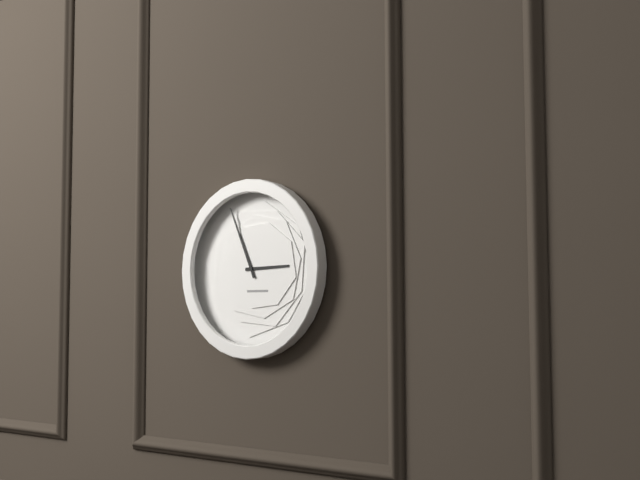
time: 2:56
